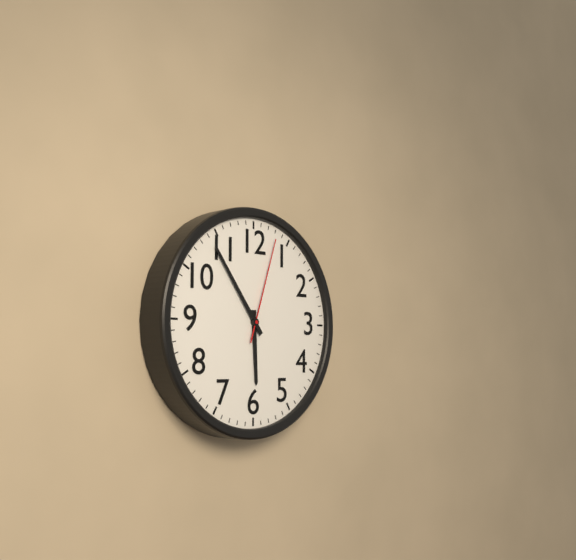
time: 5:54:03
